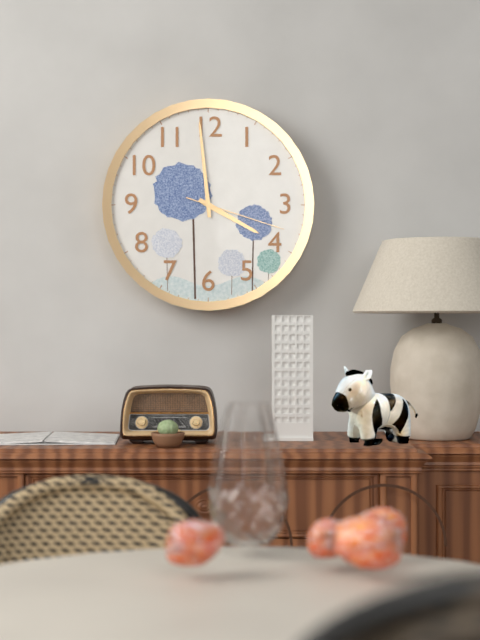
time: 3:59:18
